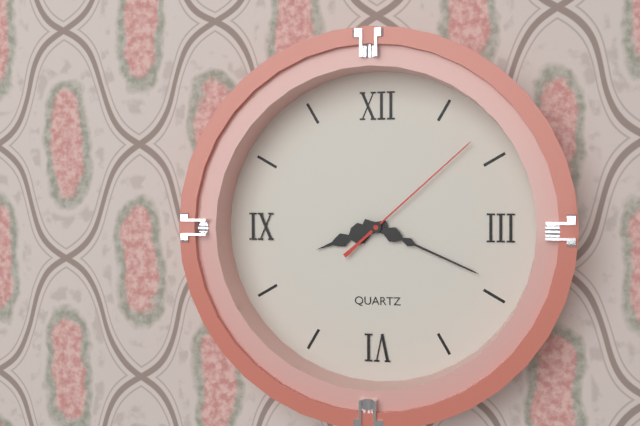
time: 8:19:08
